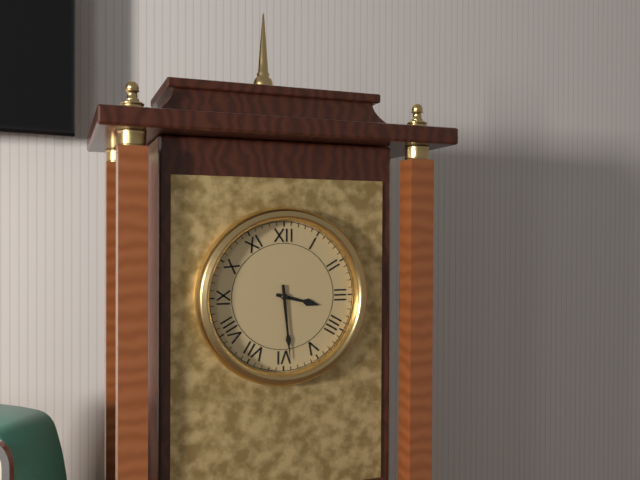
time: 3:29
